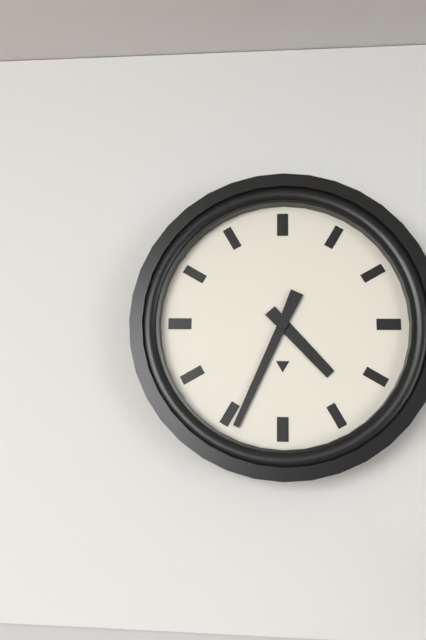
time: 4:34
